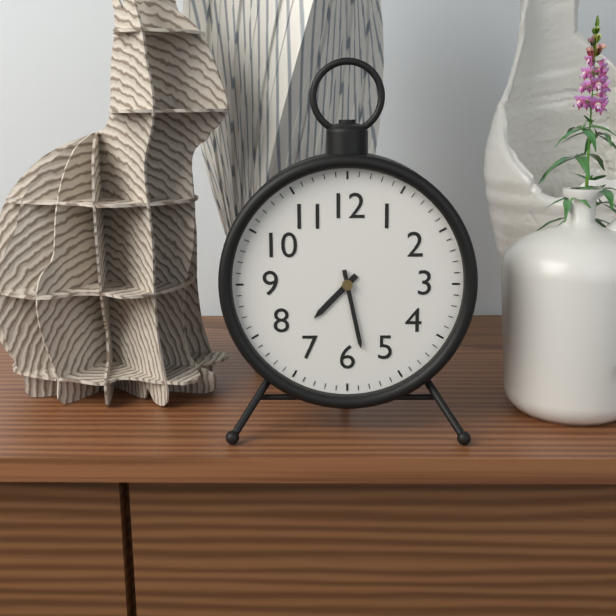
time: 7:28
